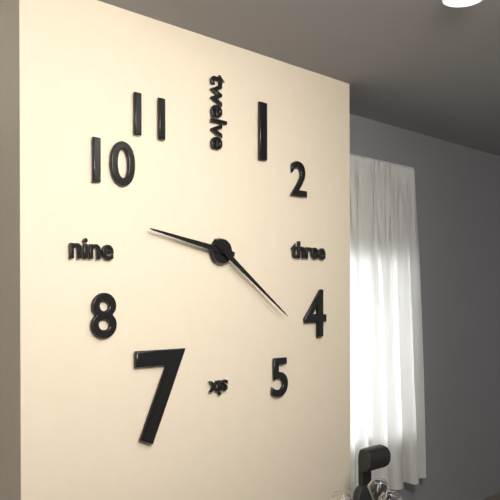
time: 9:21
